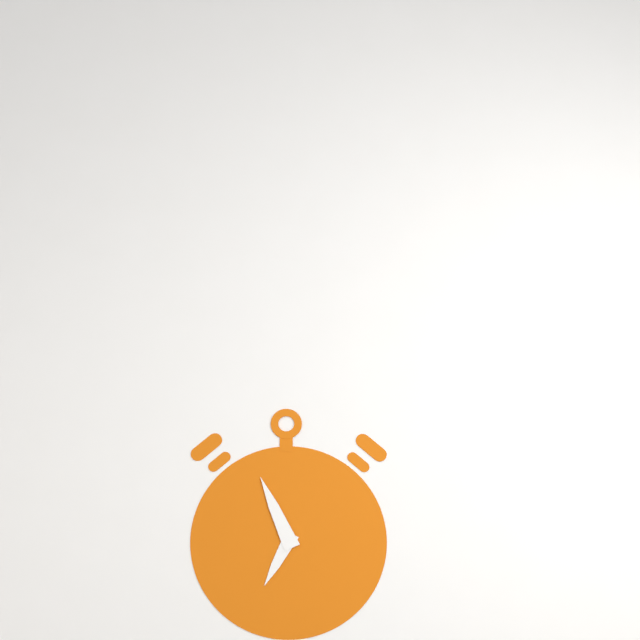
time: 6:56
